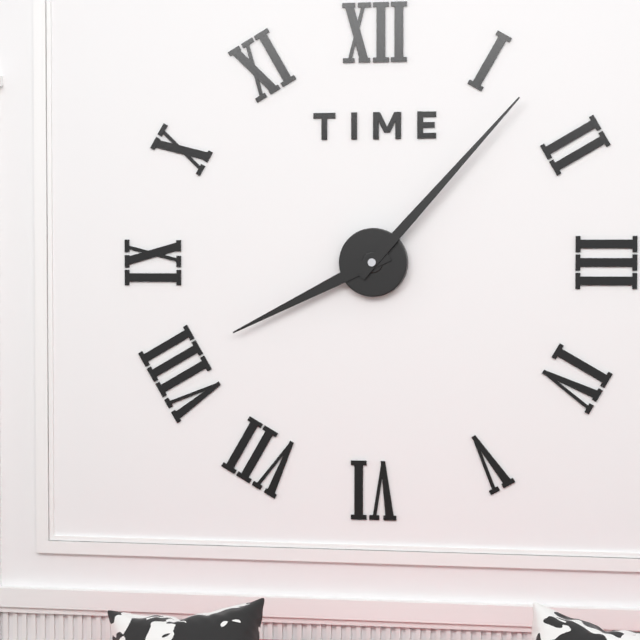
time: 8:07
